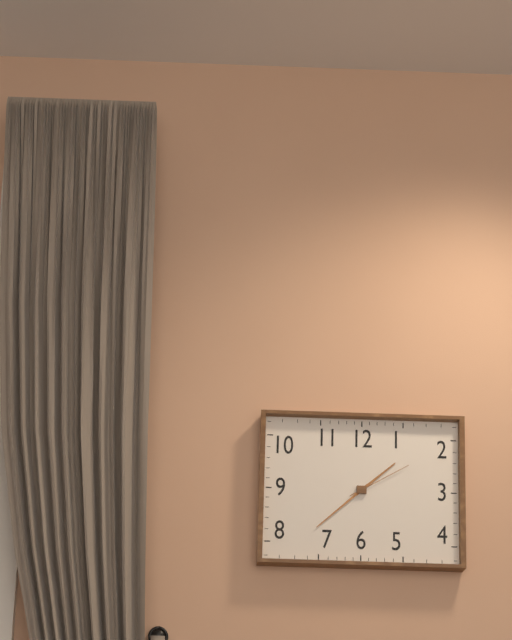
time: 1:38:10
